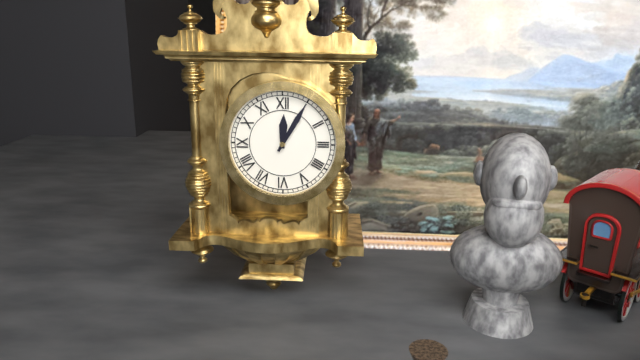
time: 12:05
